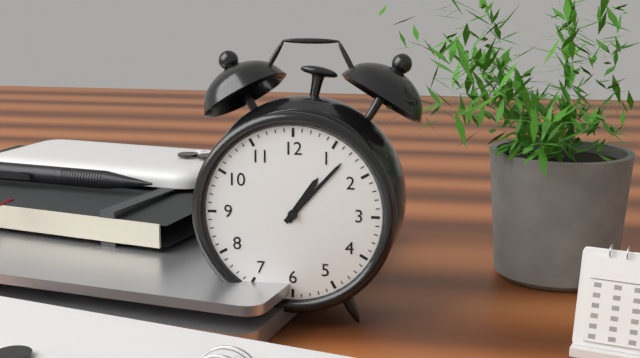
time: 1:07
